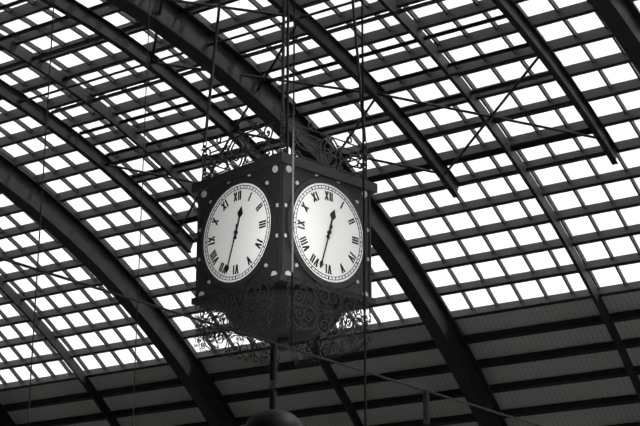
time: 12:33
